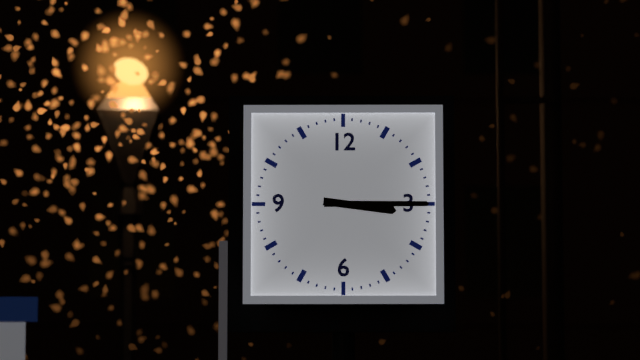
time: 3:15
